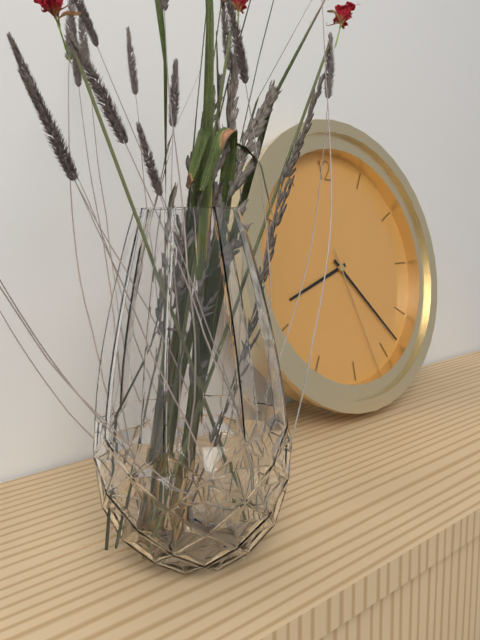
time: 8:23:27
